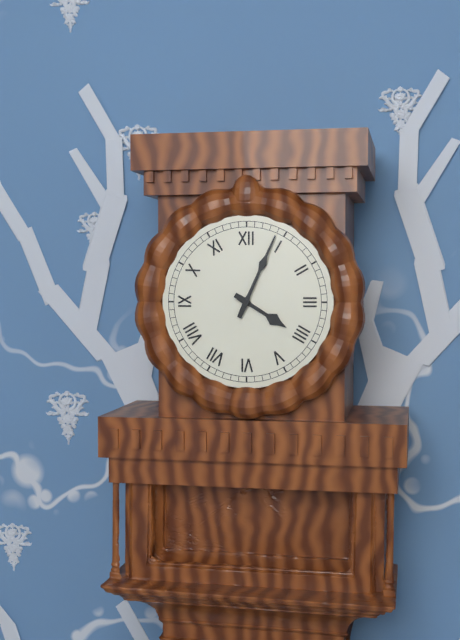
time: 4:04
